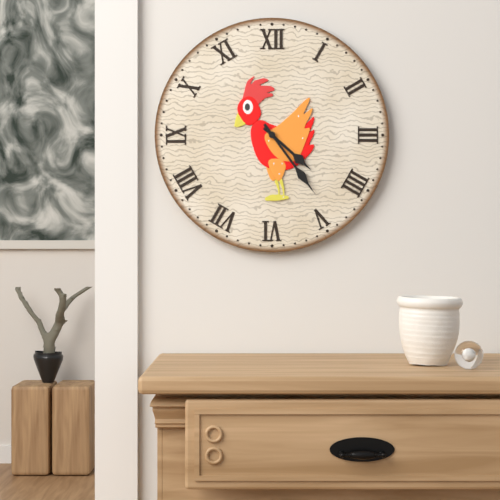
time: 4:24
